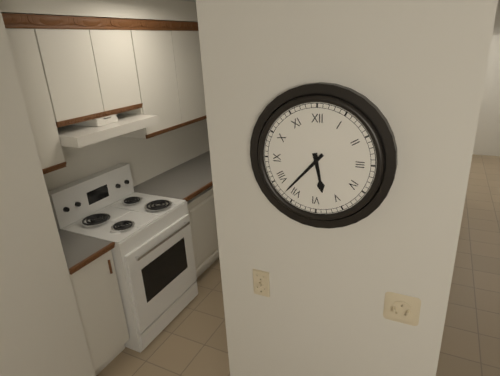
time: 5:37
